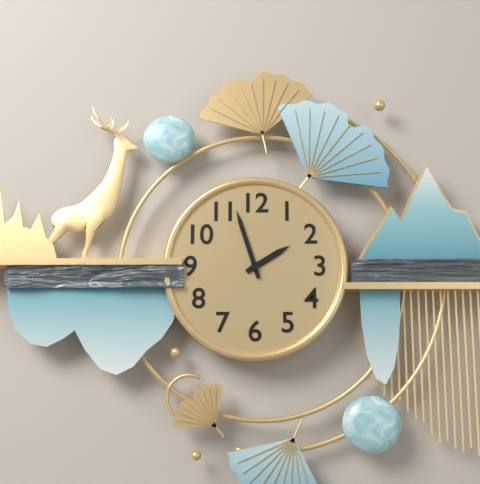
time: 1:57
